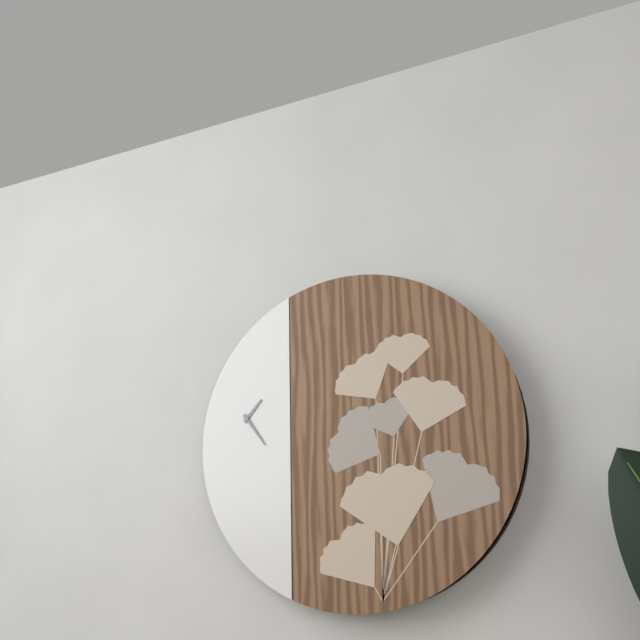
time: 1:24
